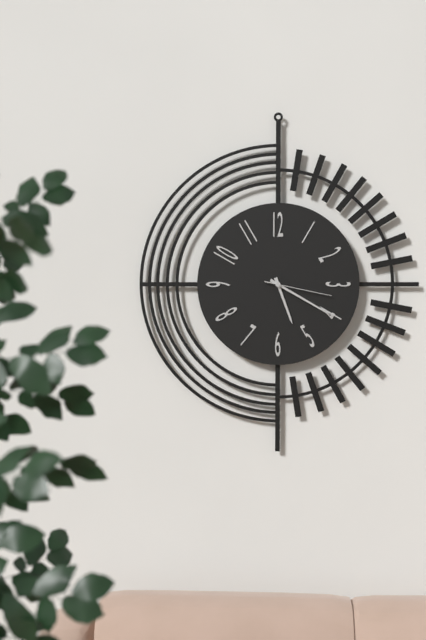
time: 5:20:17
